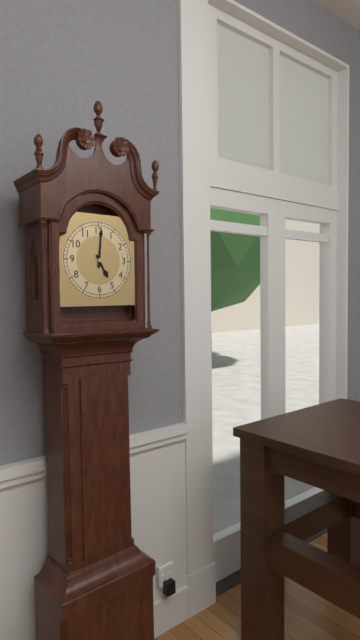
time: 5:01
